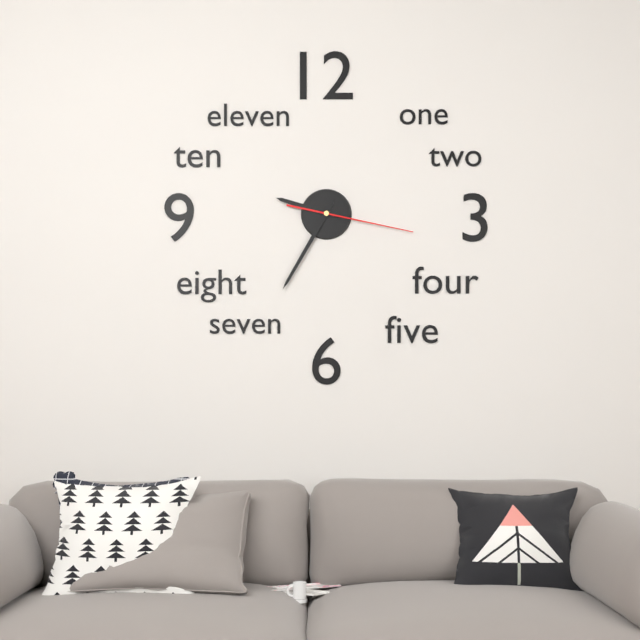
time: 9:35:17
